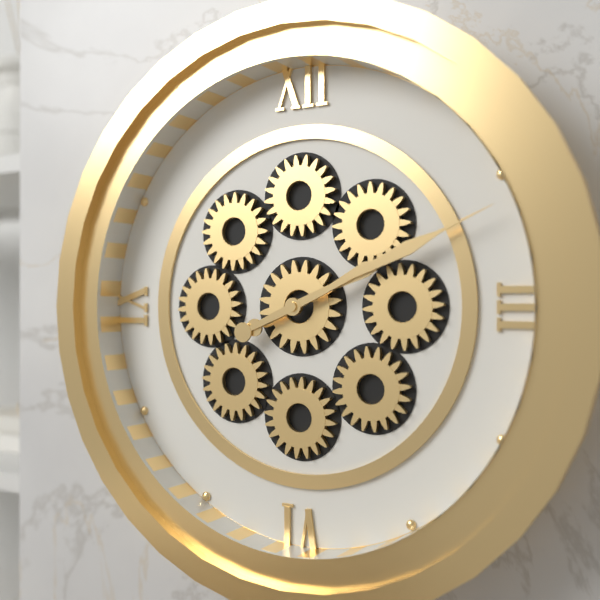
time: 2:11
